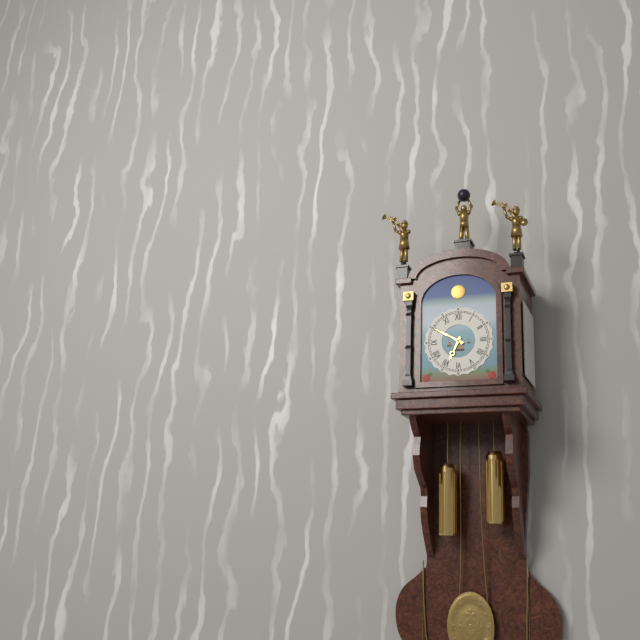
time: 6:50
